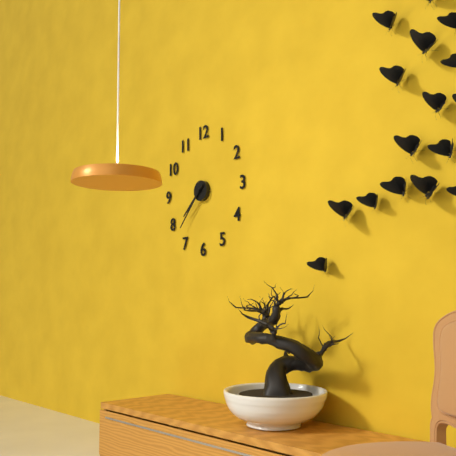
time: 7:37
